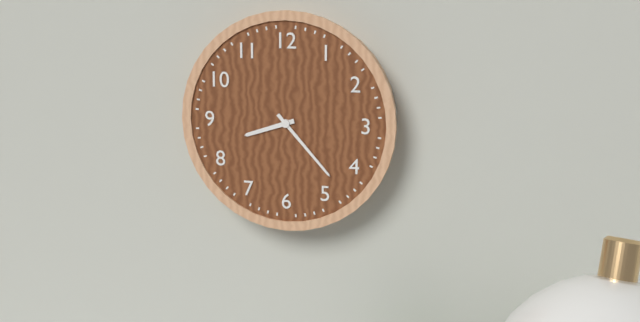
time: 8:23
